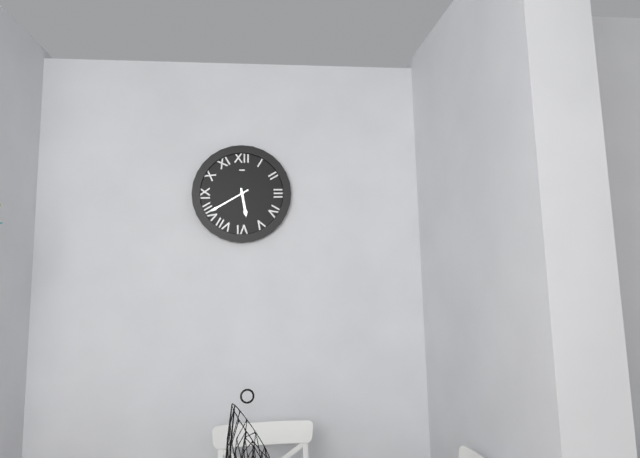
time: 5:40
